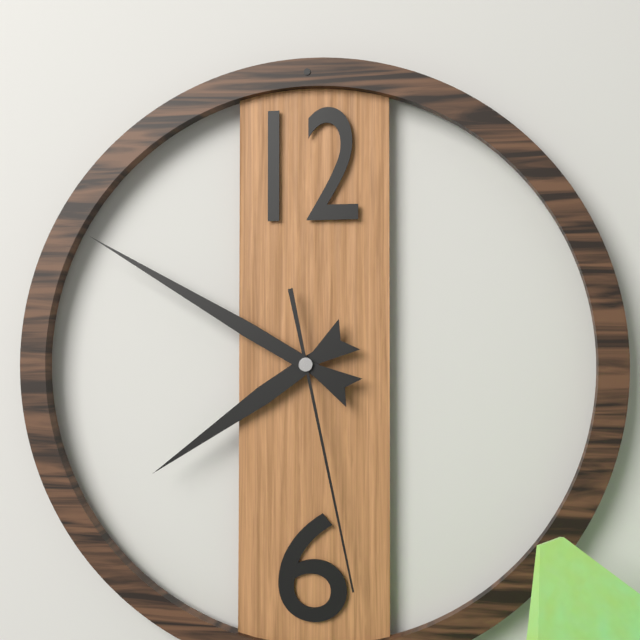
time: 7:50:28
